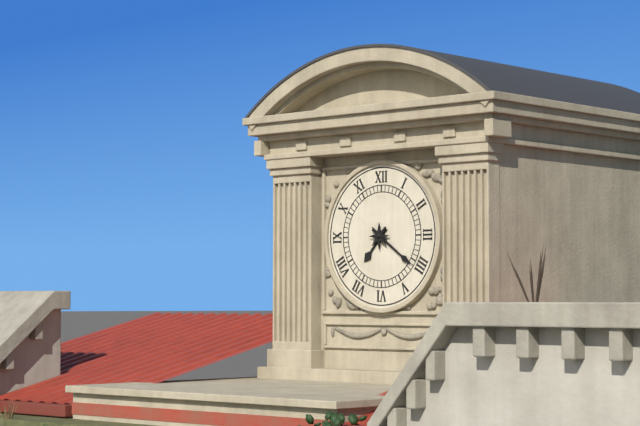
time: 7:21
